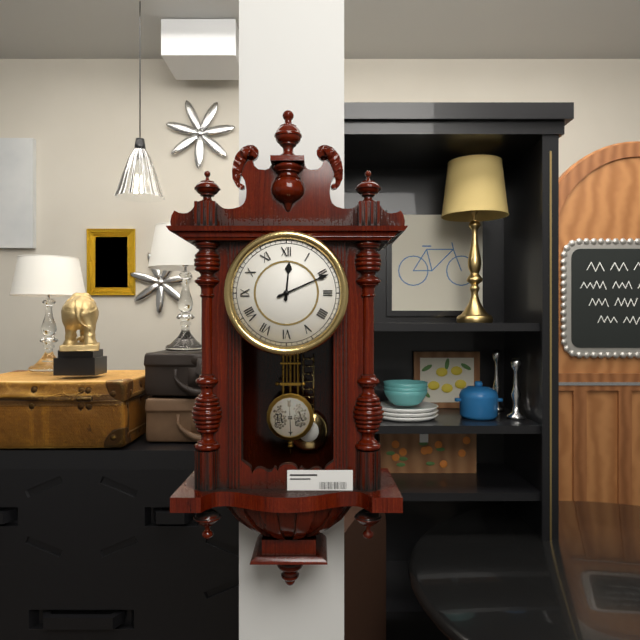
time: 12:11
